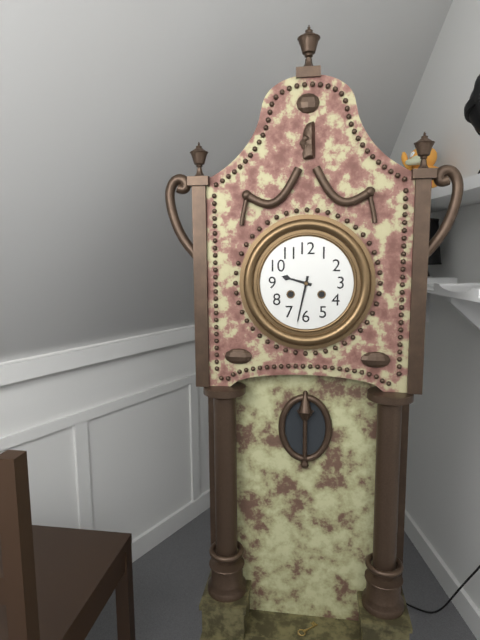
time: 9:32
